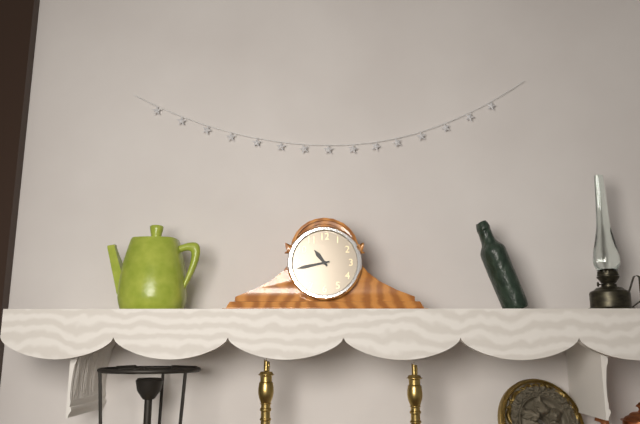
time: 10:43
